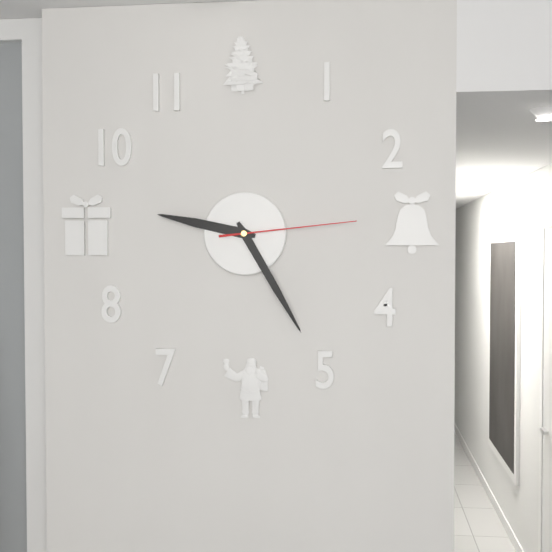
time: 9:25:14
